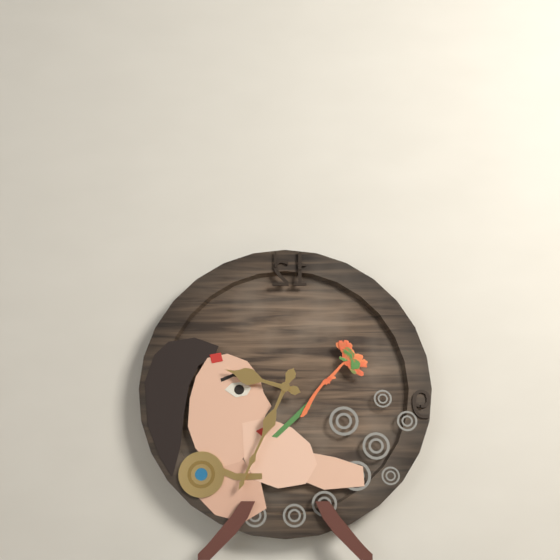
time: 9:34
